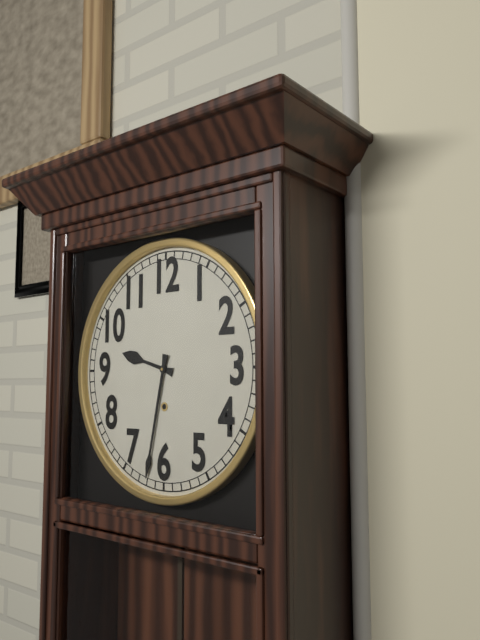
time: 9:32
